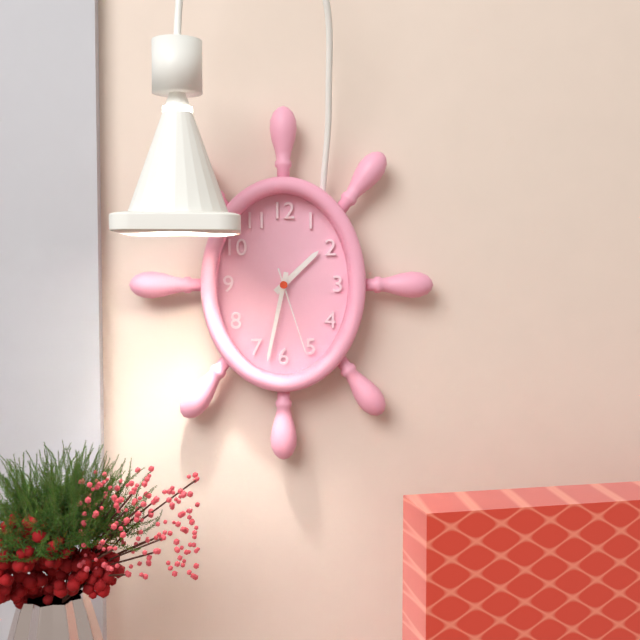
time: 1:32:27
